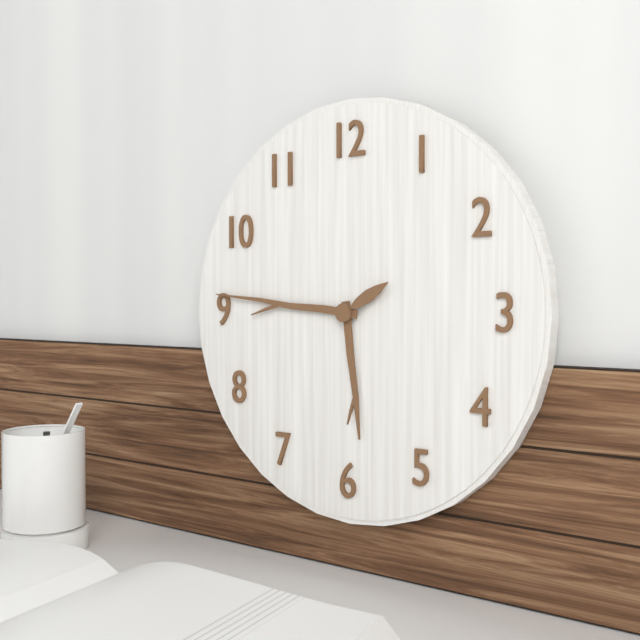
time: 5:46:10
